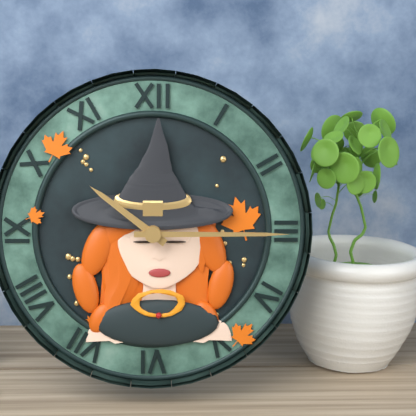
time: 10:15
